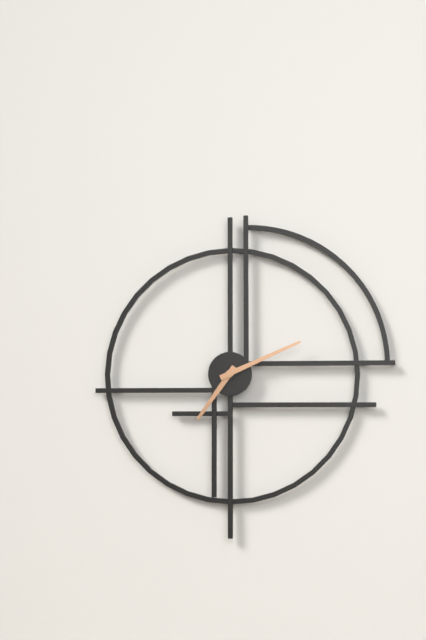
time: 7:11
